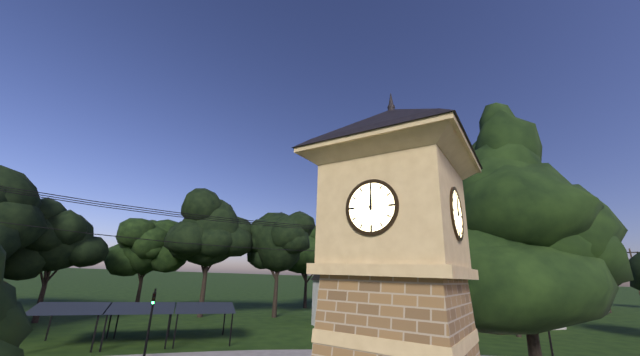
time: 12:00
